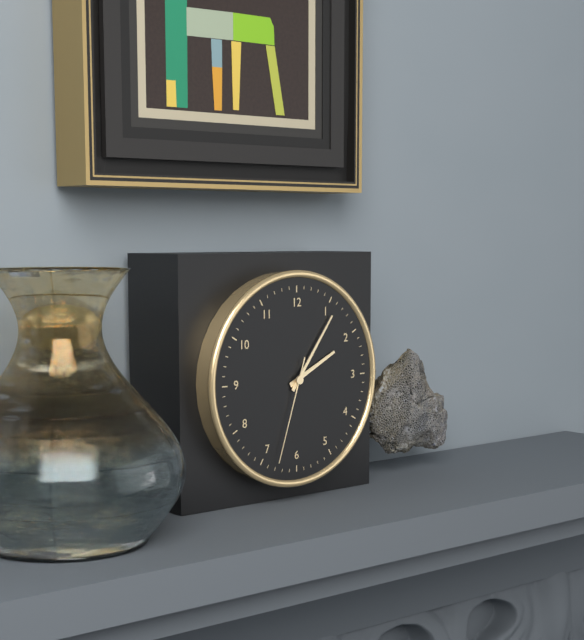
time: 2:06:33
